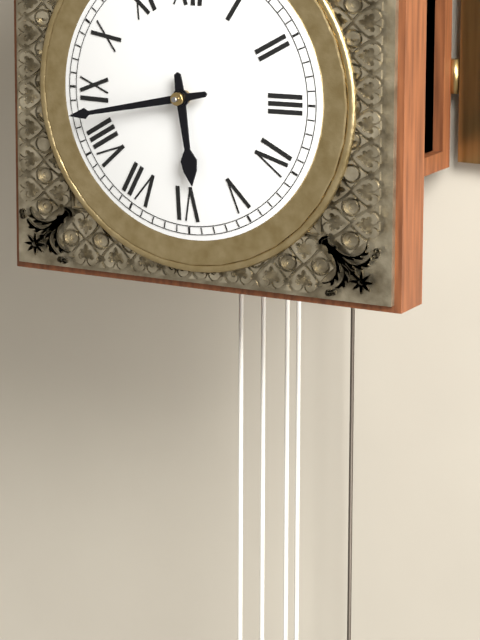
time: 5:43
